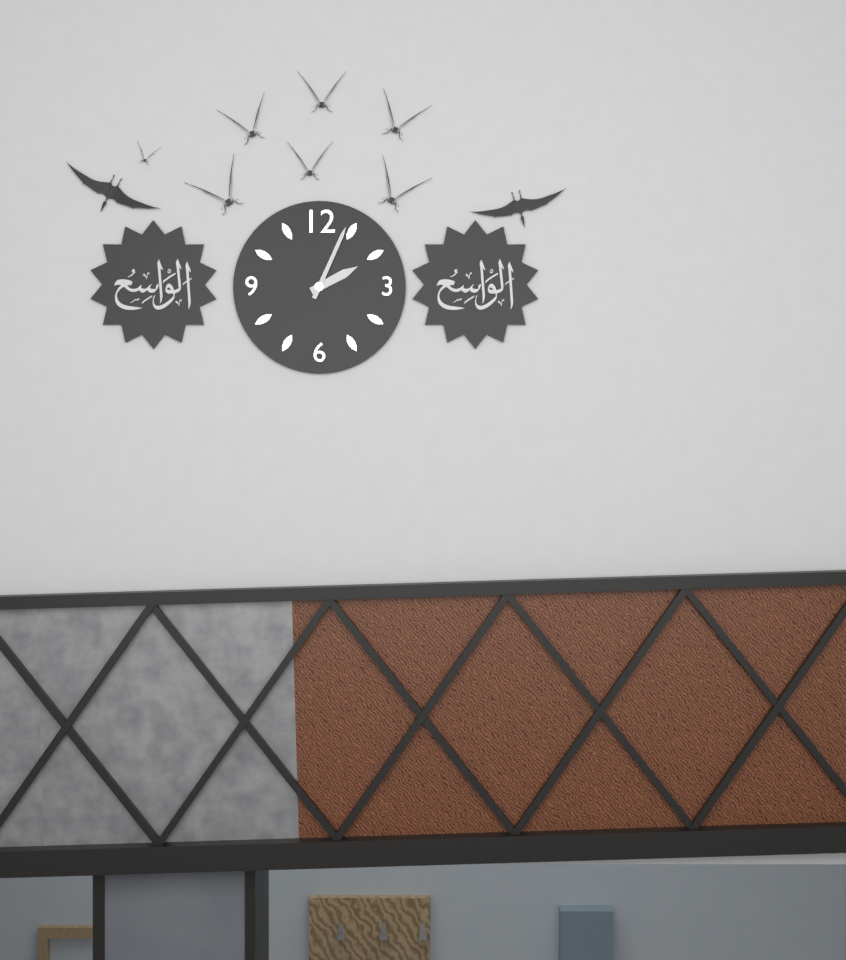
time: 2:04
